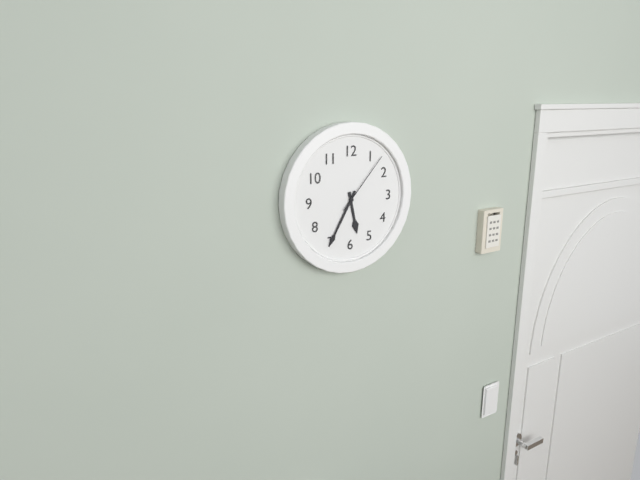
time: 5:35:07
